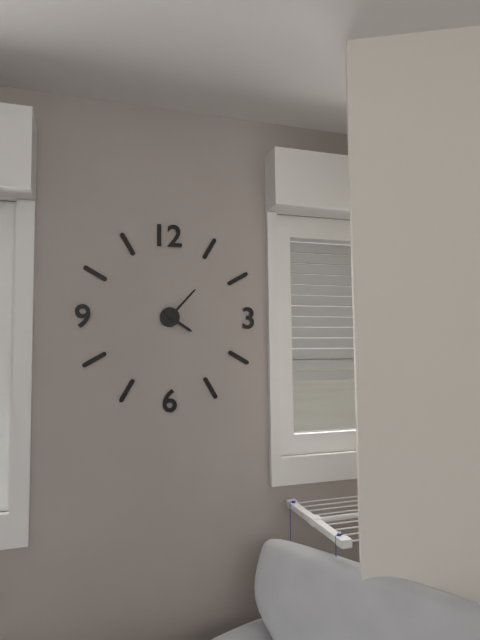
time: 4:07
